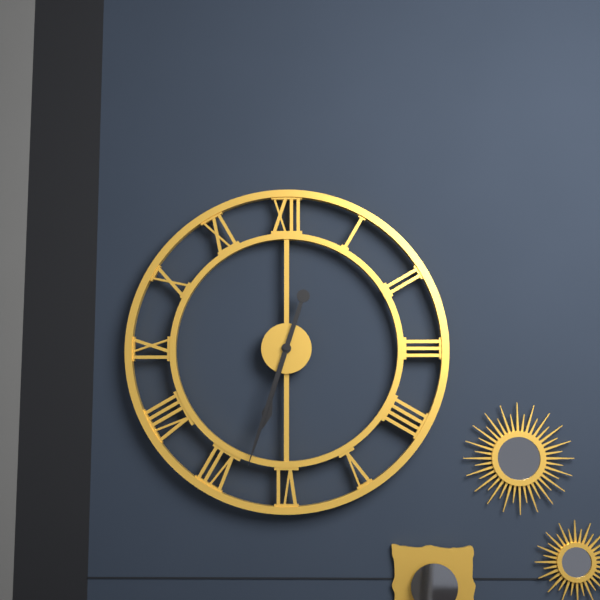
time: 6:33
